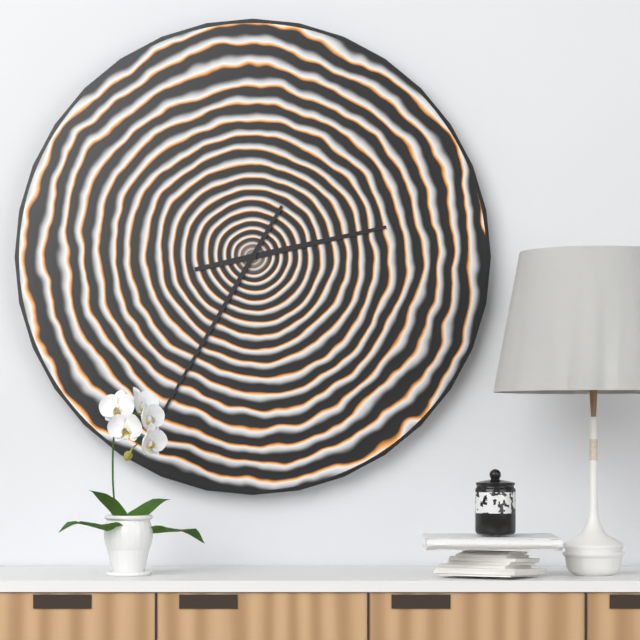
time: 2:35
